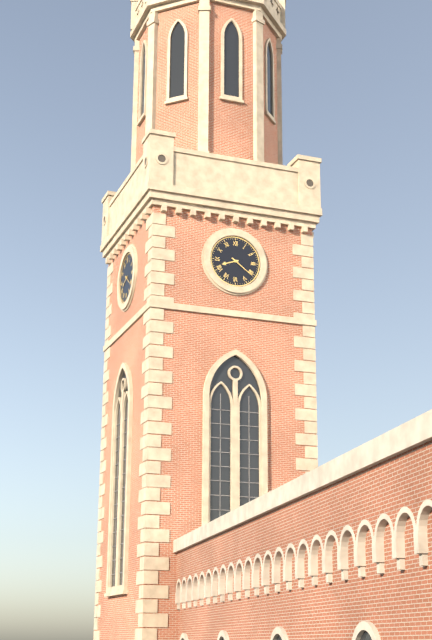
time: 8:21
